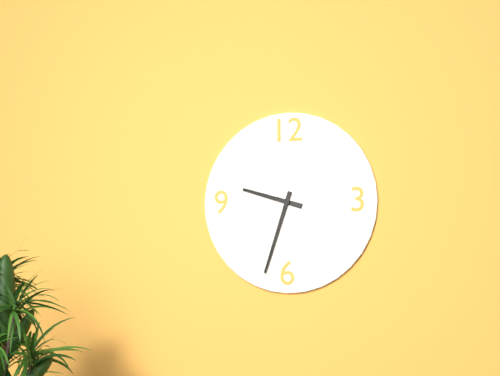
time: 9:33
